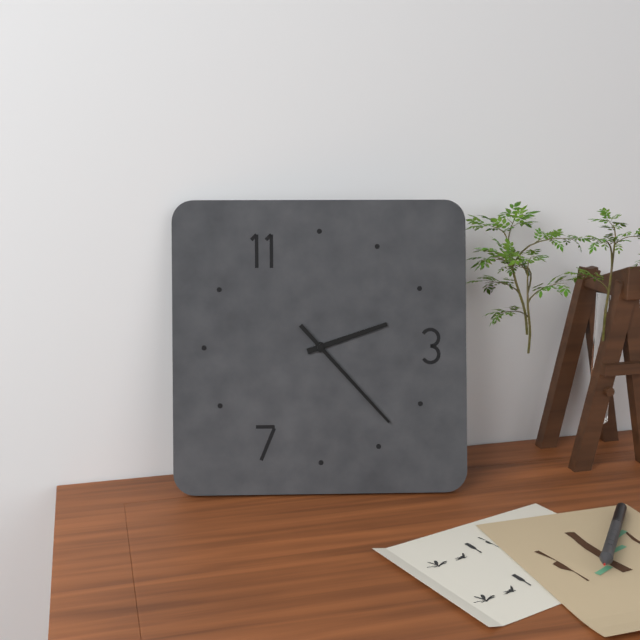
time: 2:23
